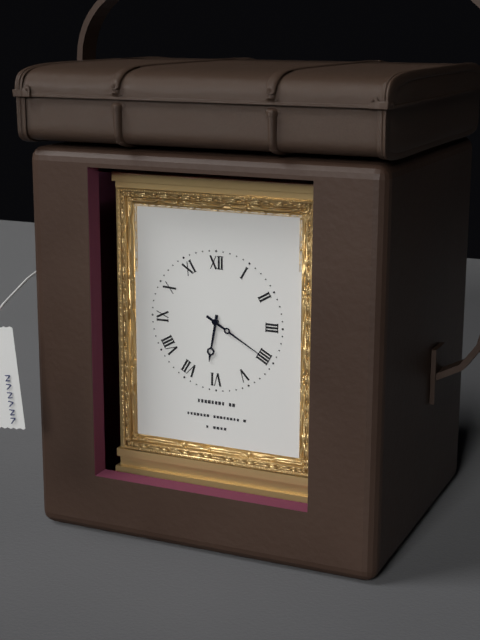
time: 6:20
